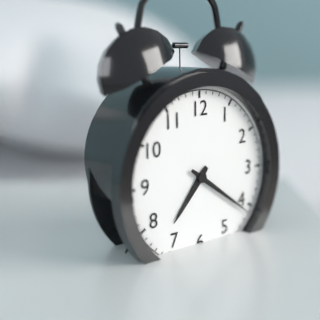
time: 7:21
